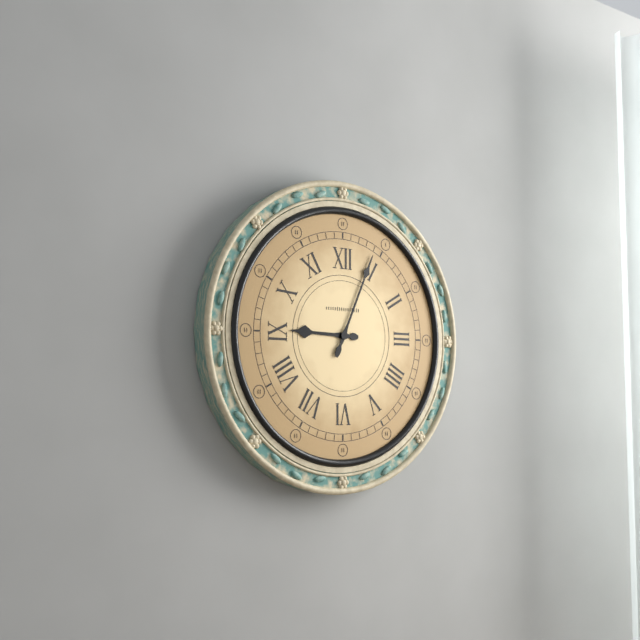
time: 9:04
